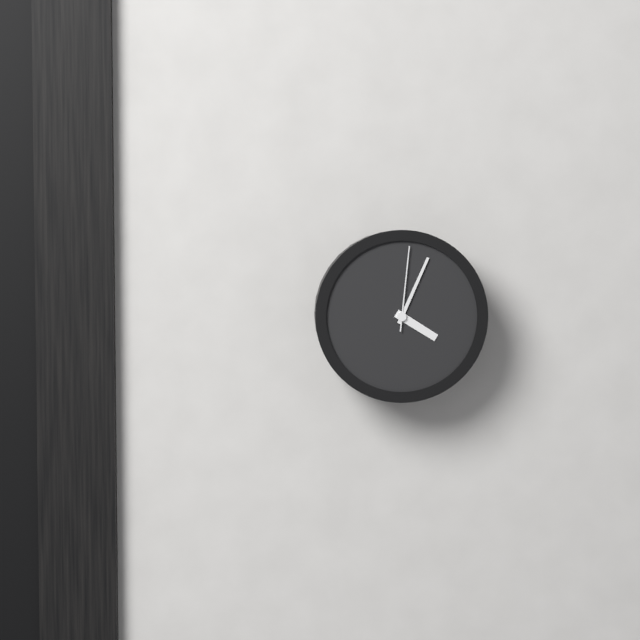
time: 4:04:01
